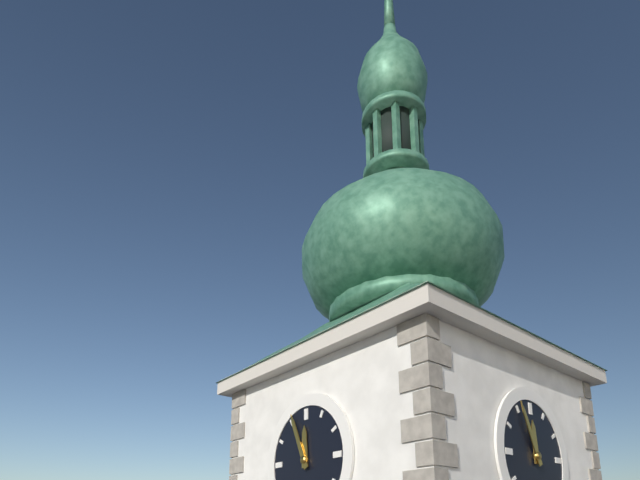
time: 11:56
